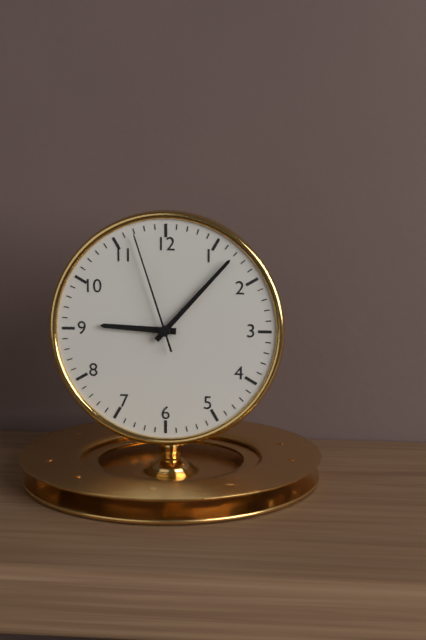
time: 9:07:57
